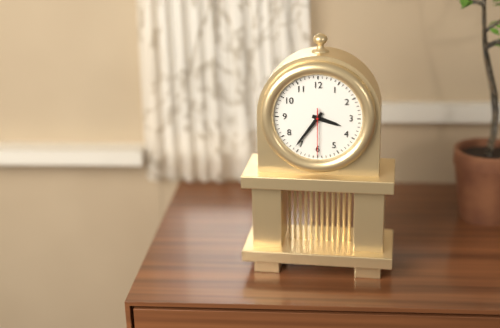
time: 3:36
